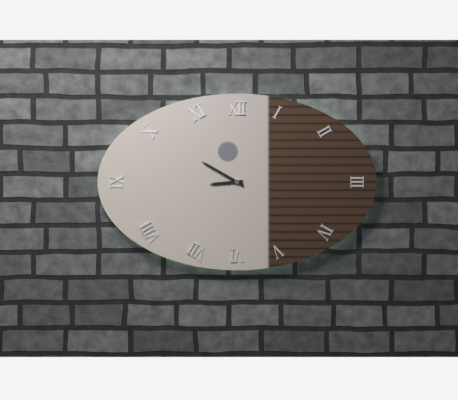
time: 8:50
